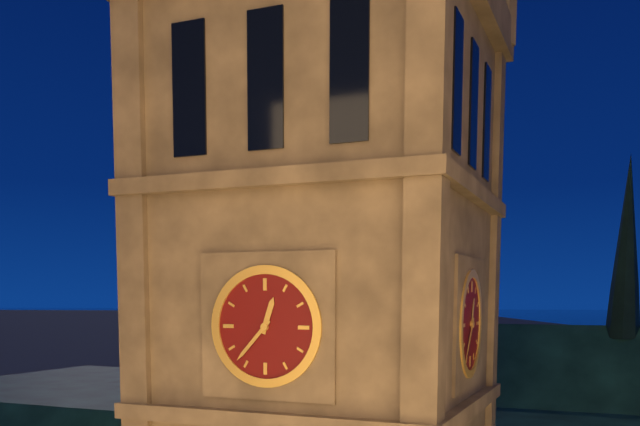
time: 12:37
